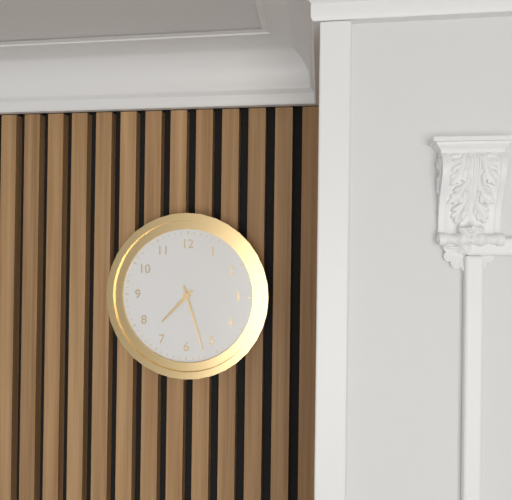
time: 7:27
